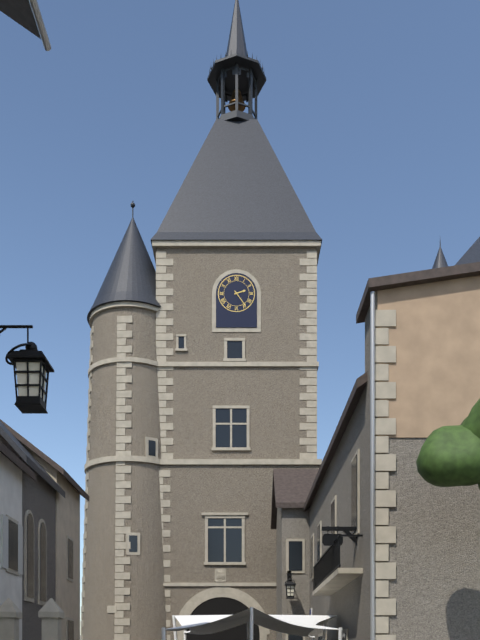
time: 2:24
